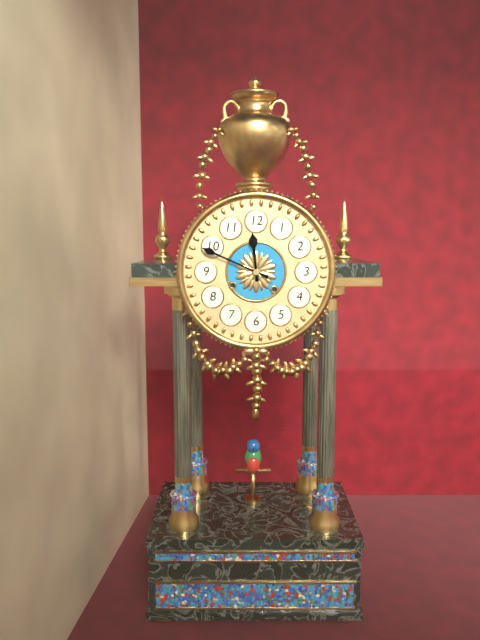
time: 11:49
